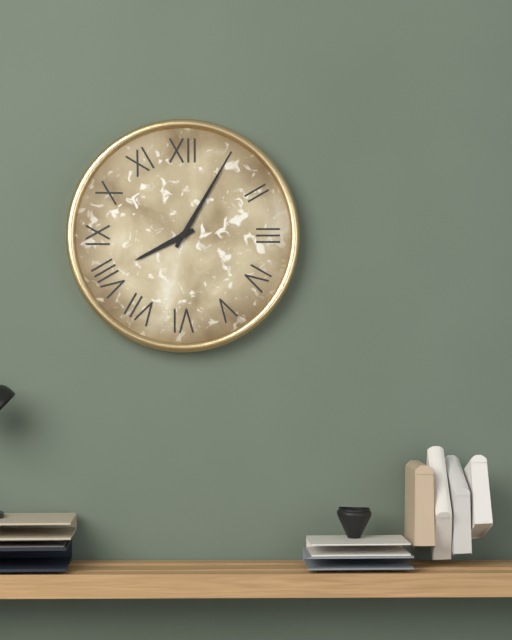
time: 8:05
